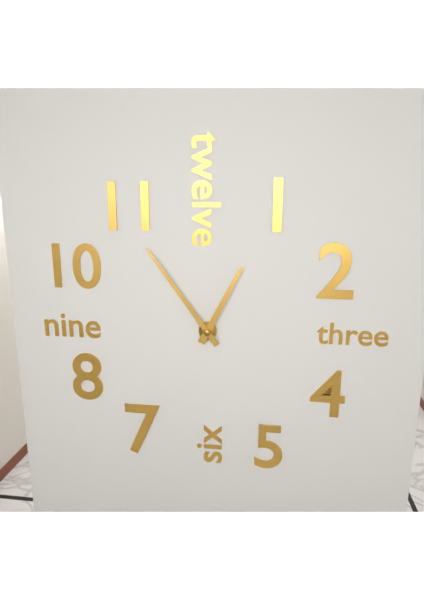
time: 12:54
